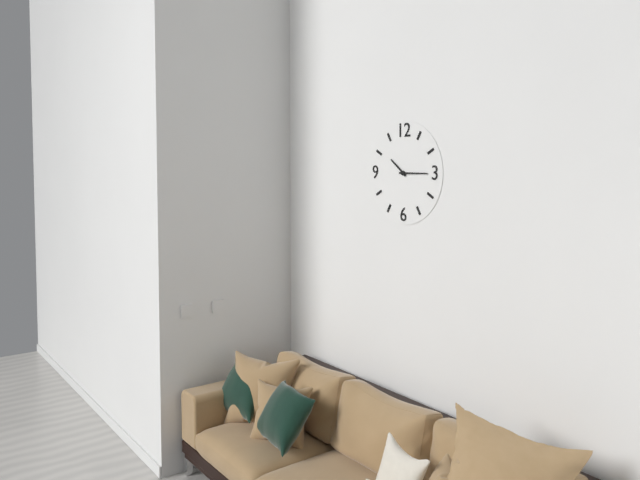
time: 10:15
